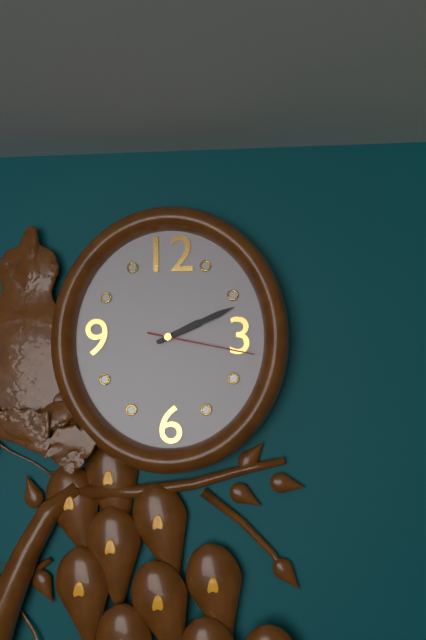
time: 2:11:17
